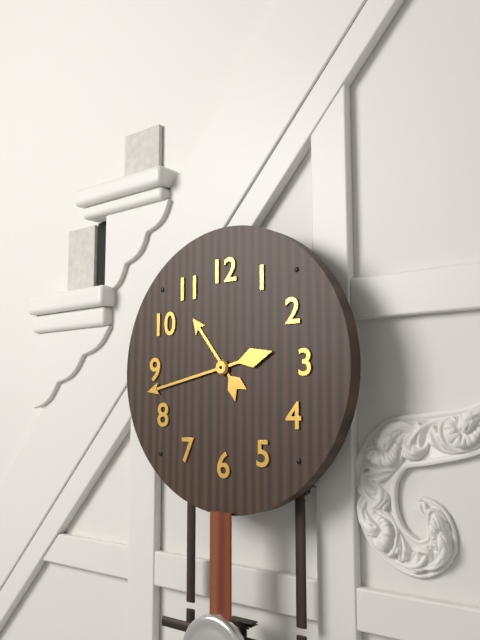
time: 10:43
